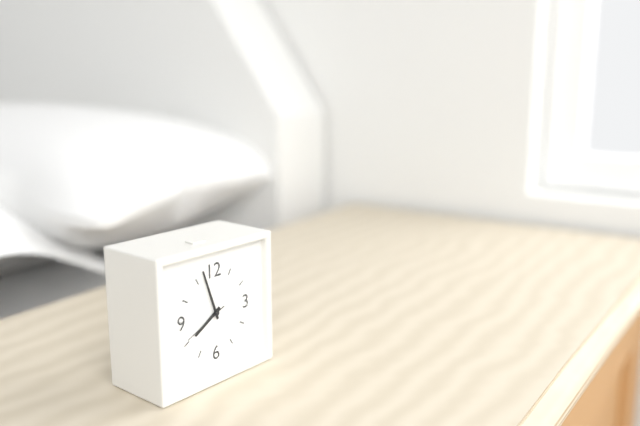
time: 7:57
